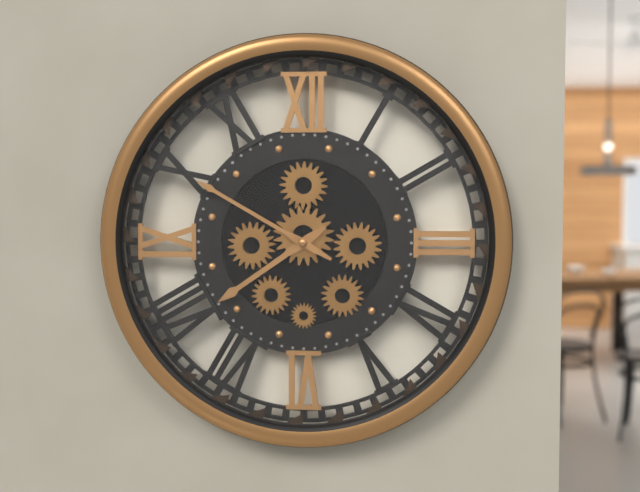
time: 7:50
